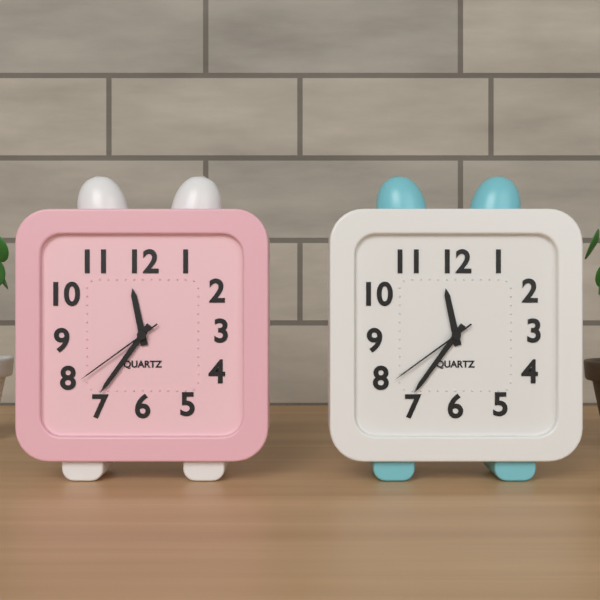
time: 11:36:39
